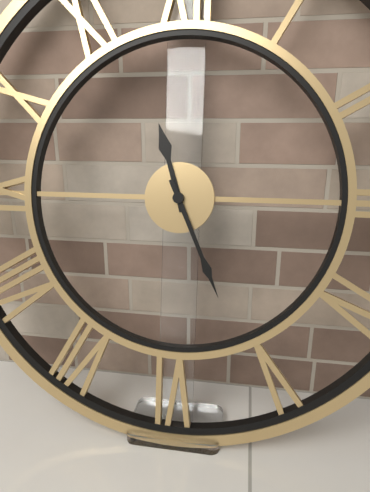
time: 11:26
